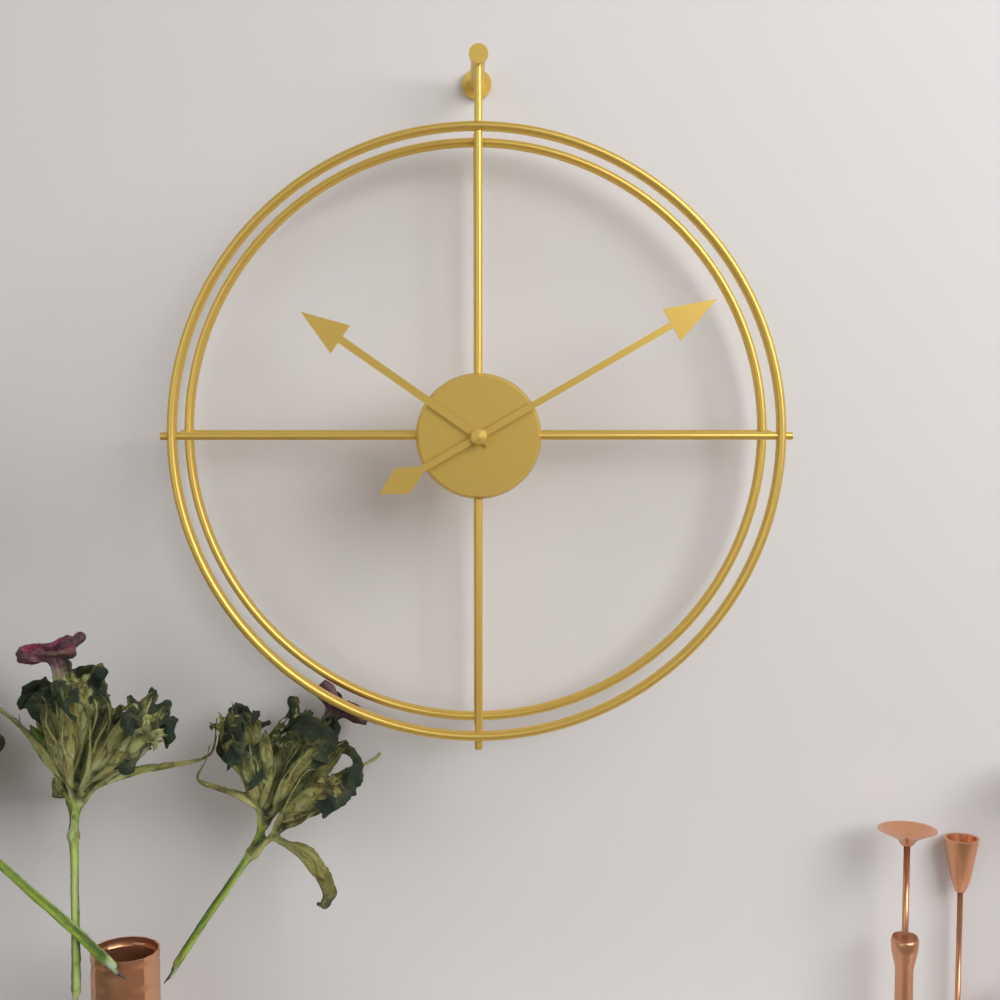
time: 10:10
